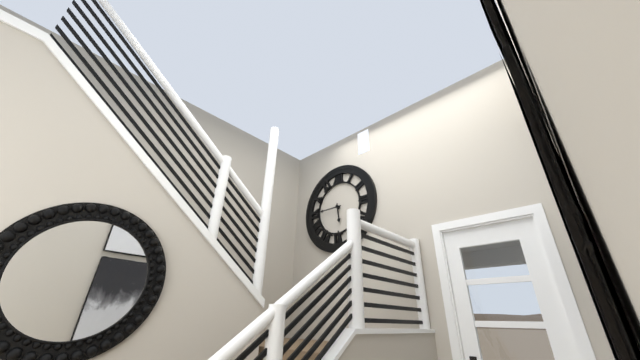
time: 5:45
